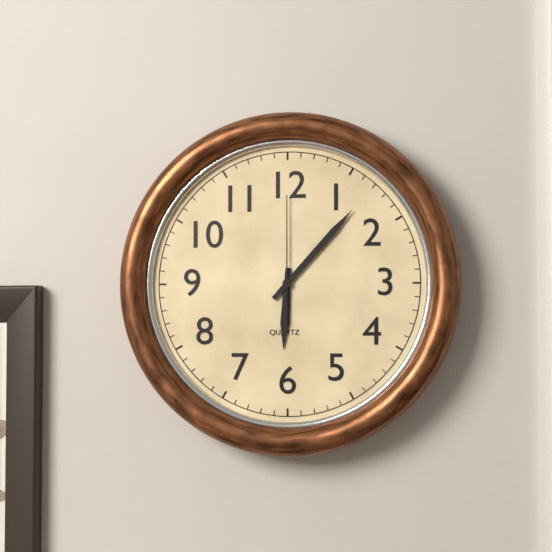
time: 6:07:00
